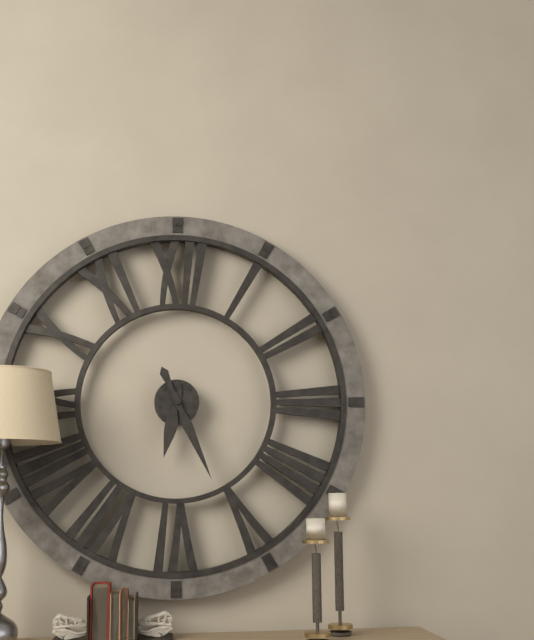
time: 6:26
